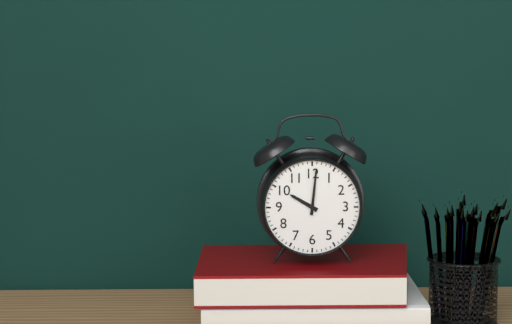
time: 10:01
